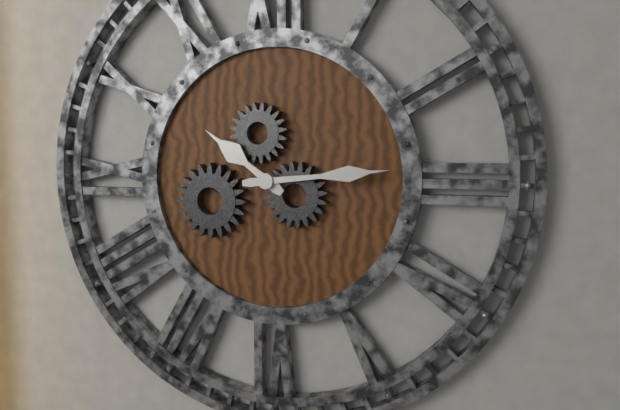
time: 10:14
